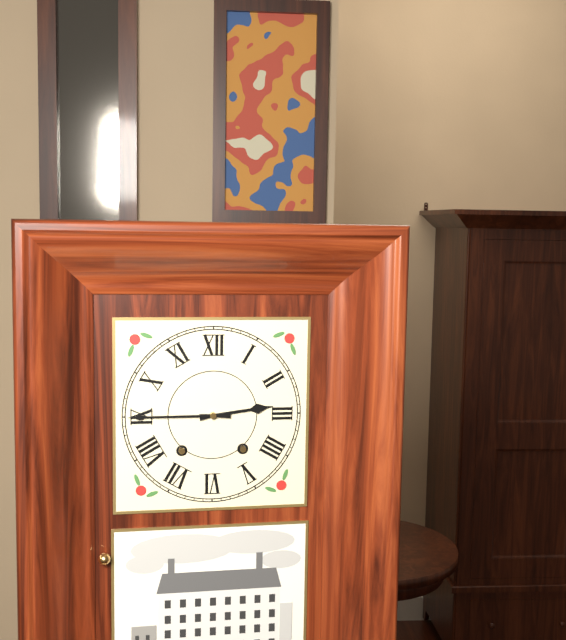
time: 2:45
